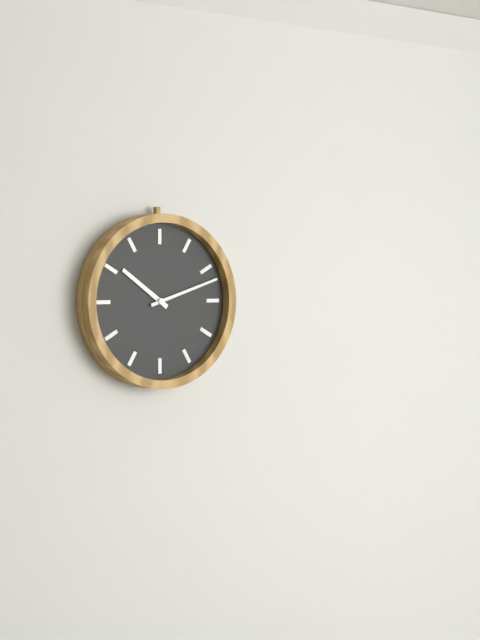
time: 10:12
